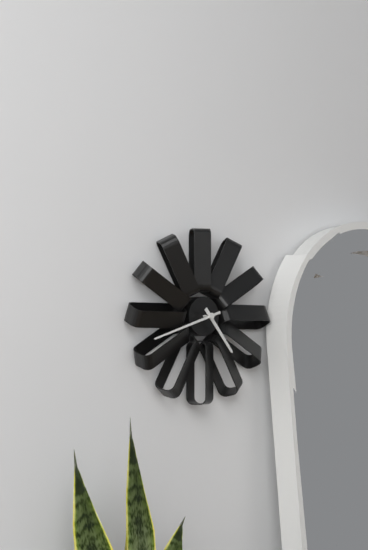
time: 4:42
